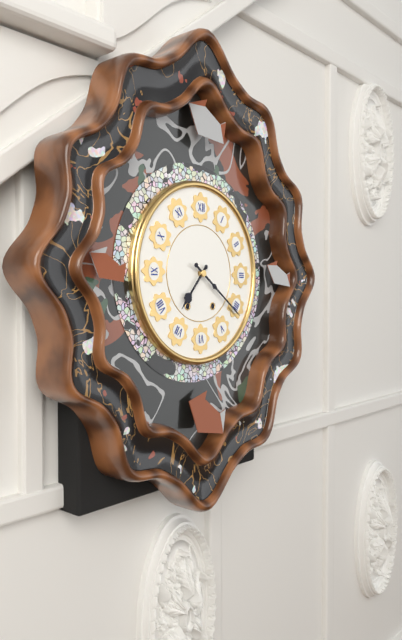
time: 7:21
